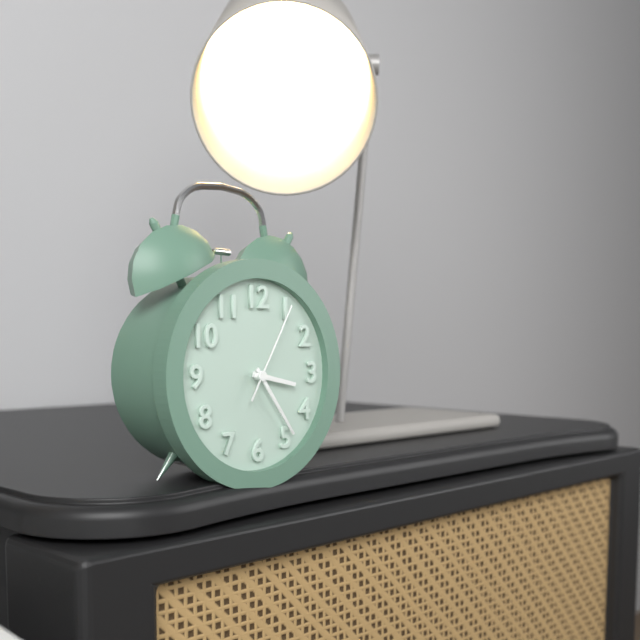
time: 3:24:05
